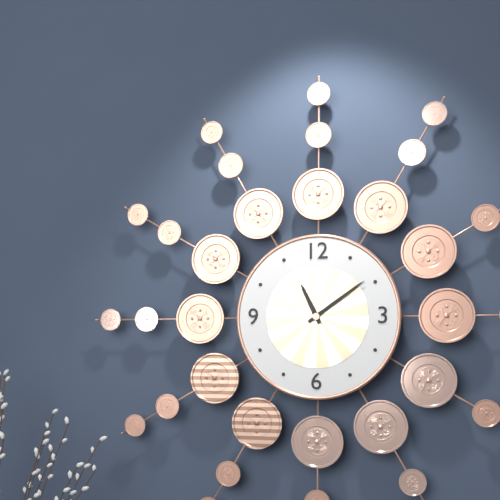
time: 11:09
